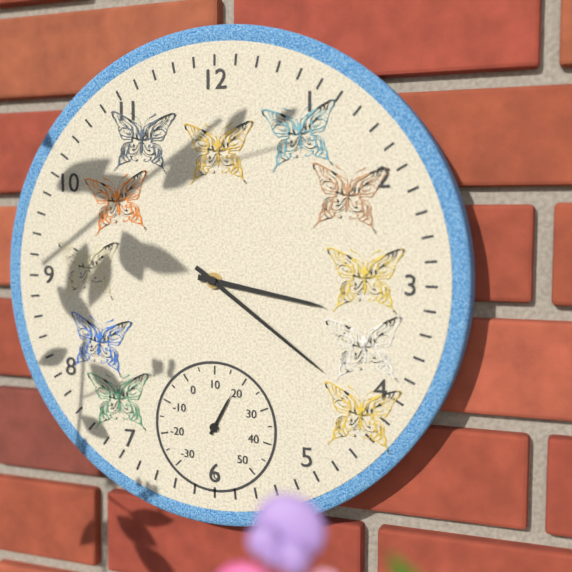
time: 3:21
